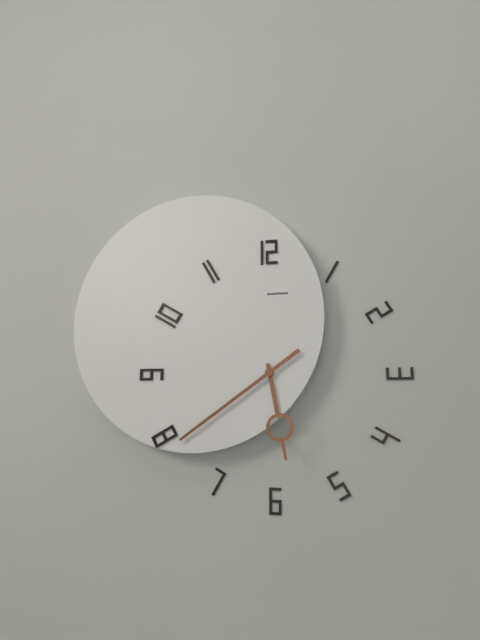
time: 5:39
